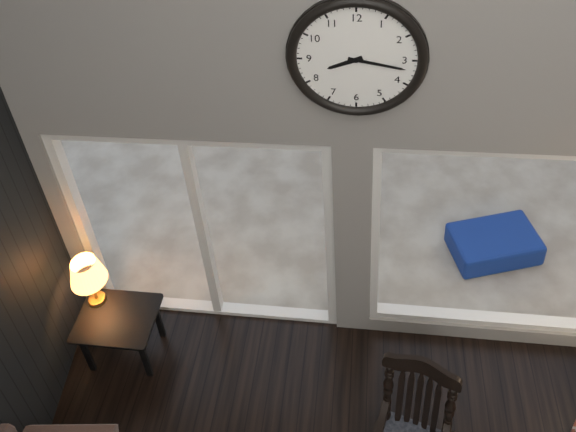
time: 8:17
